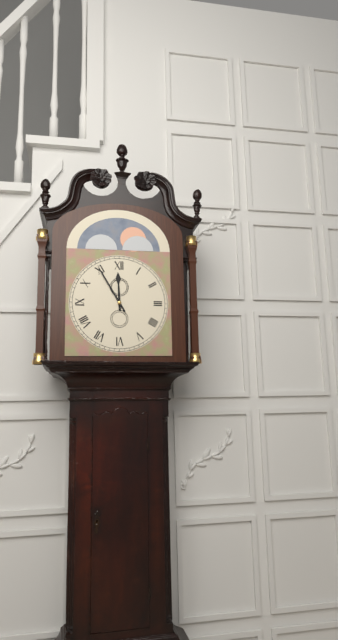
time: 11:55
